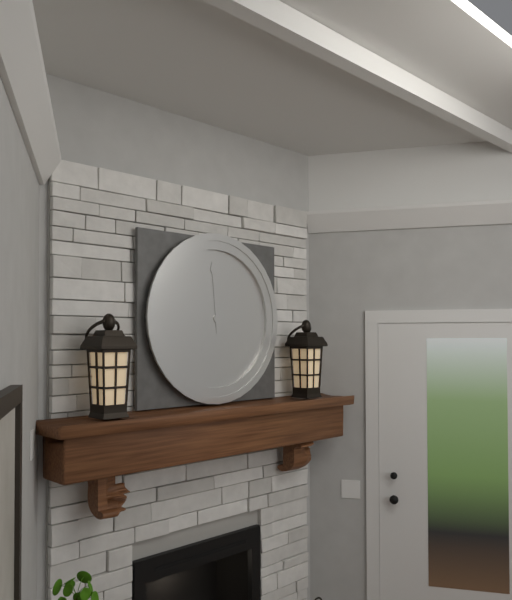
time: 6:59
